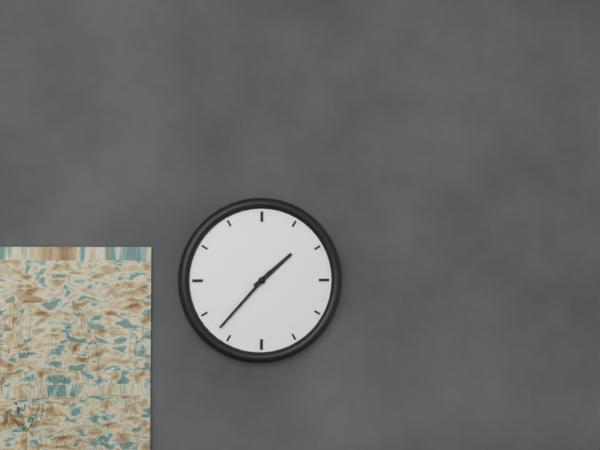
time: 1:37
